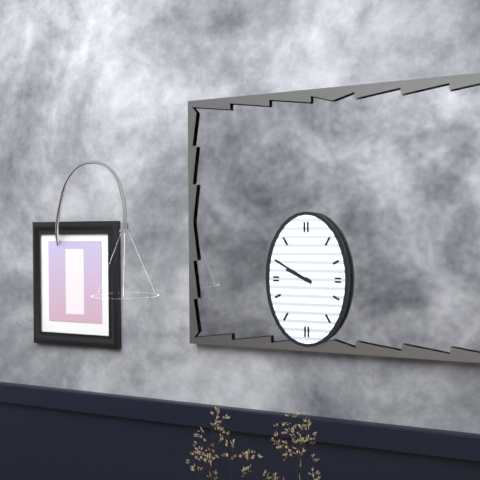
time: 9:50
